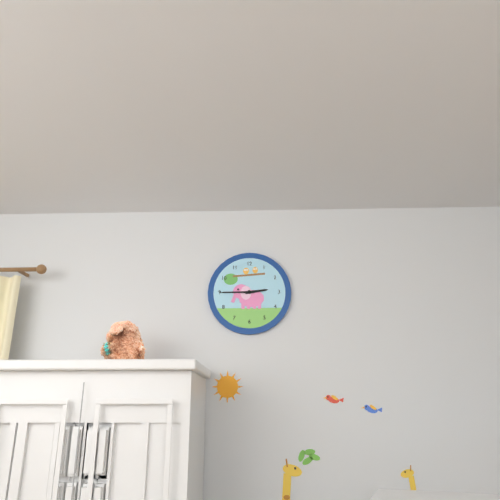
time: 2:45
